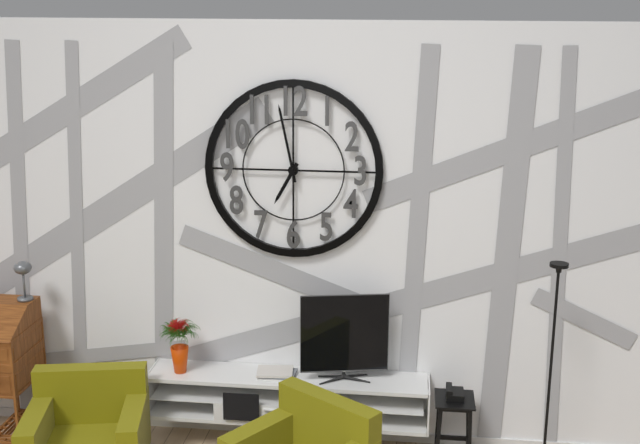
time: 6:58
